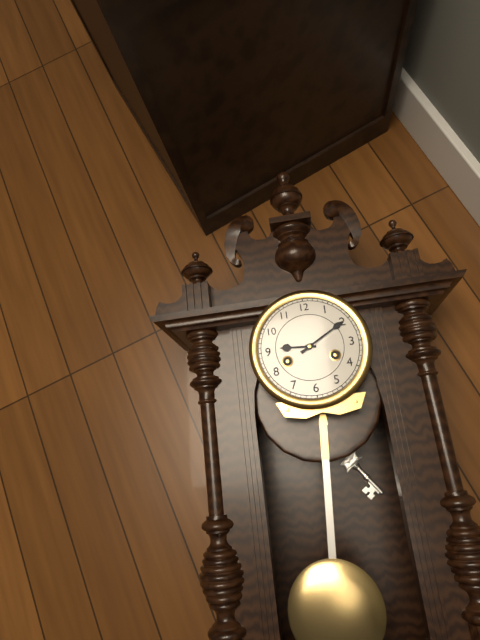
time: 9:10
